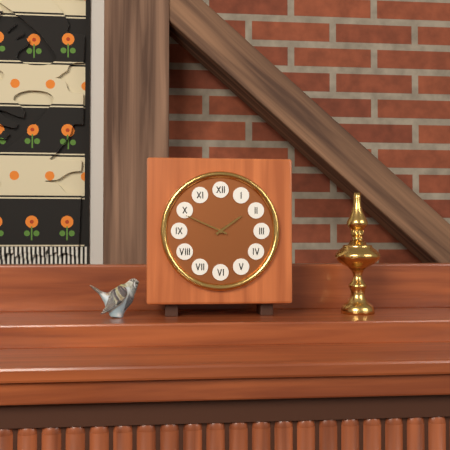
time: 1:49
